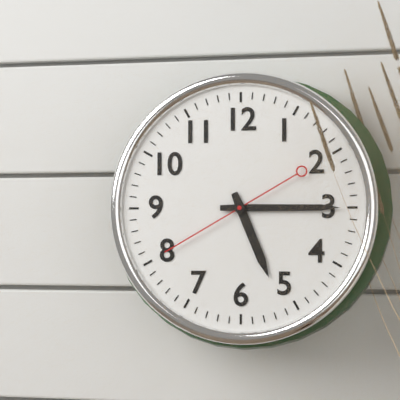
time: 5:15:40
